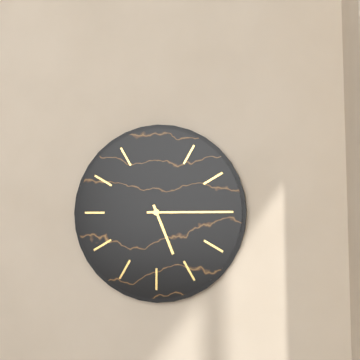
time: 5:15
